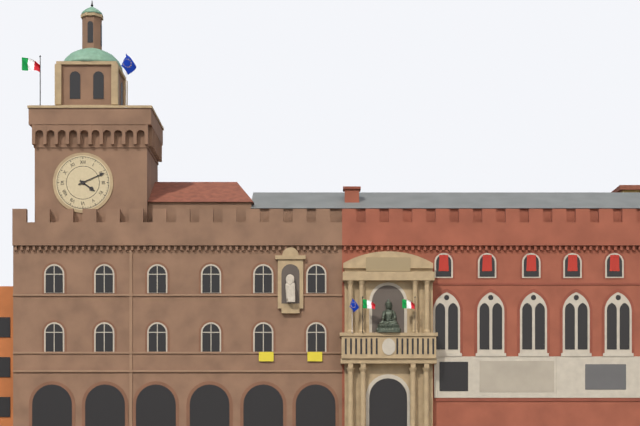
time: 4:11
